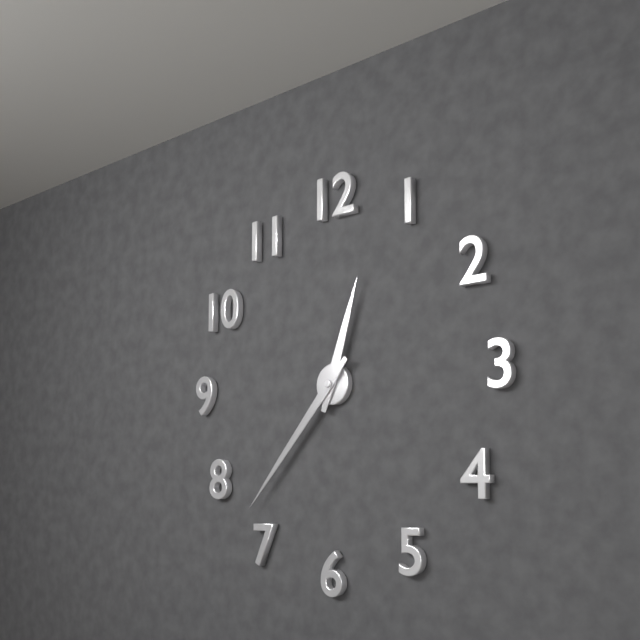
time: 12:37
